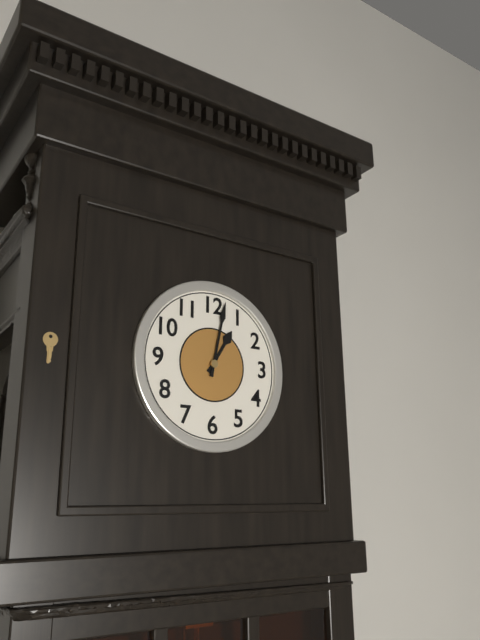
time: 1:02
